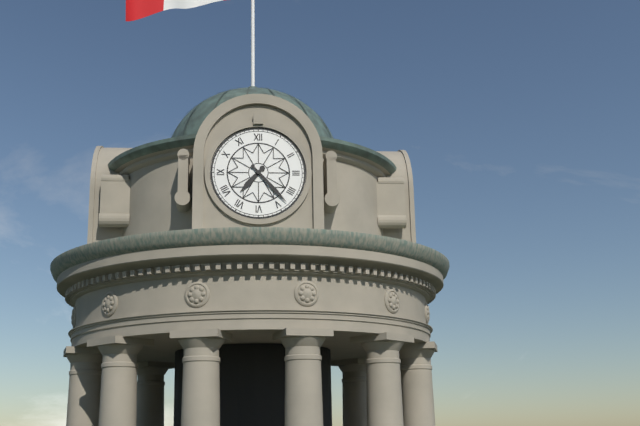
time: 7:23
